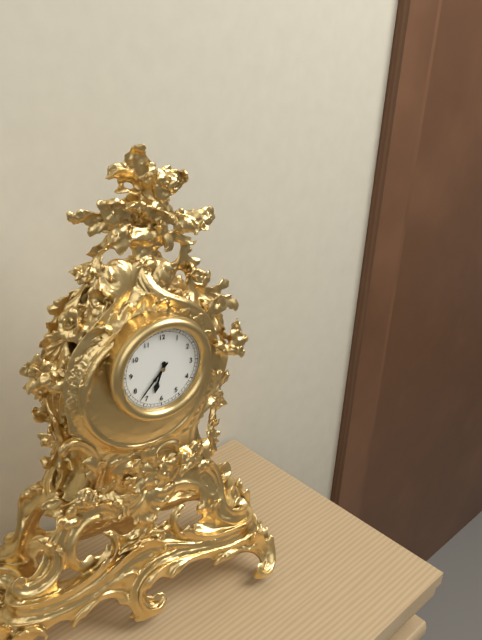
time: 6:37
